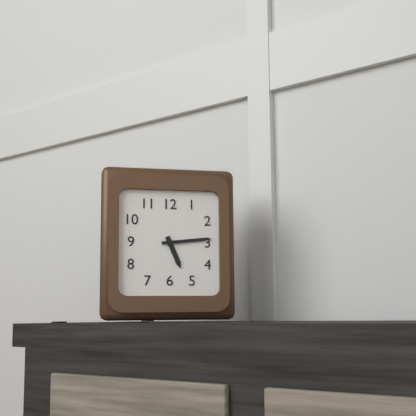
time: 5:14
